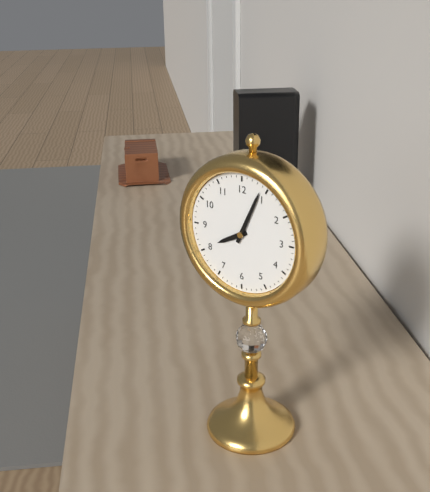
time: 8:04
